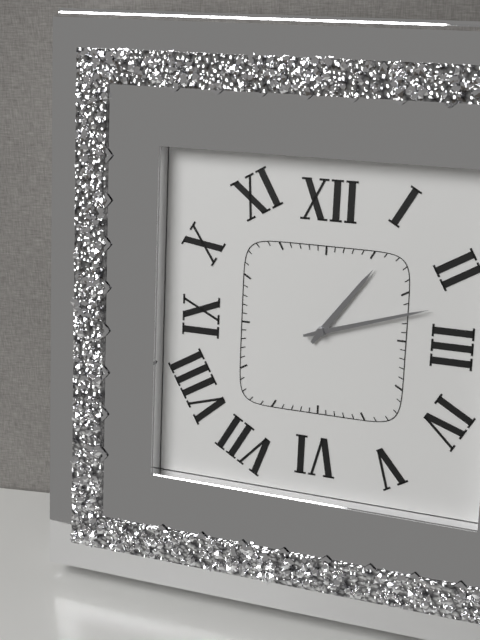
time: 1:12
